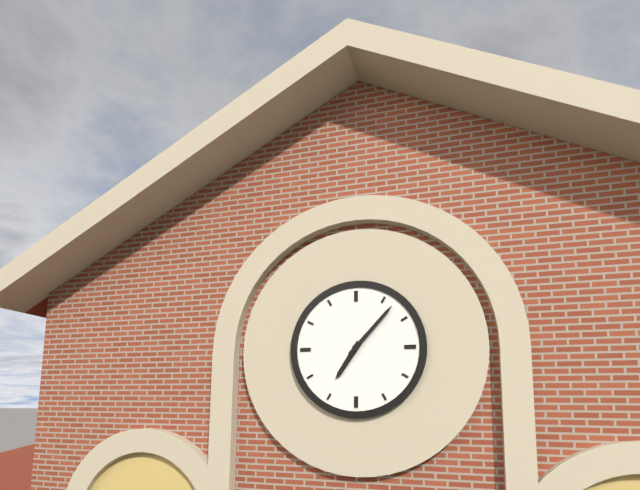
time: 7:07
